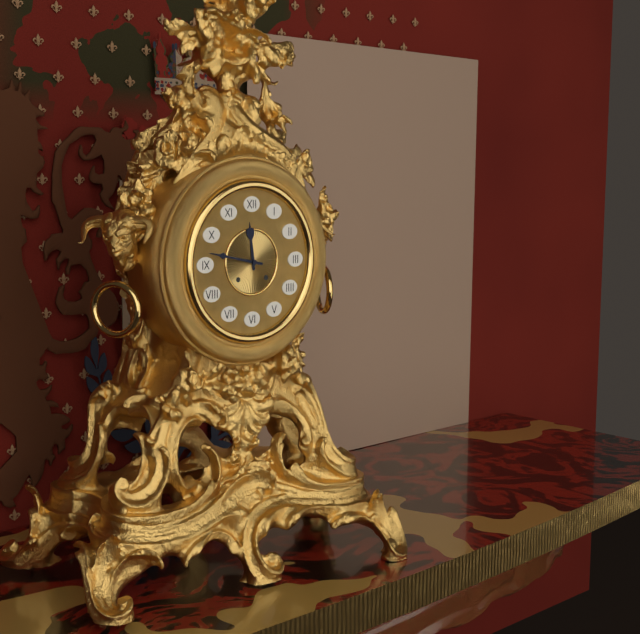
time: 11:47
